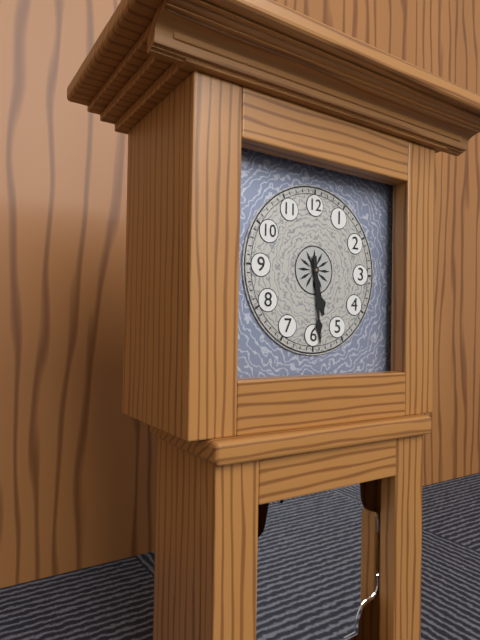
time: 5:29
